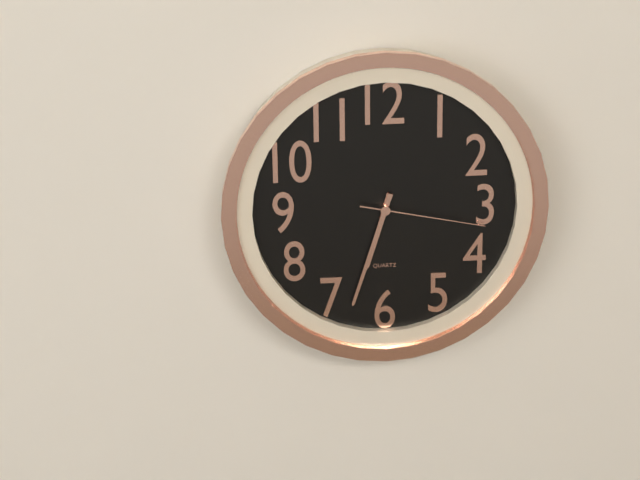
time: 6:33:17
